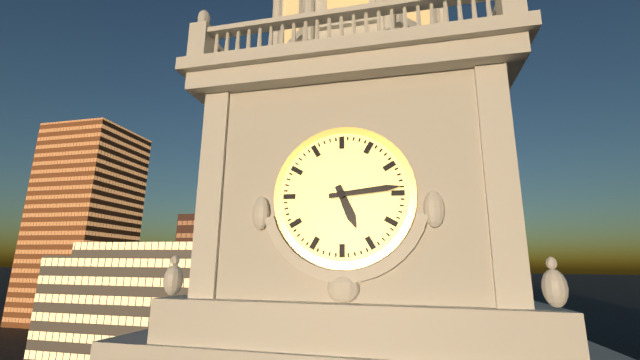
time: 5:14
